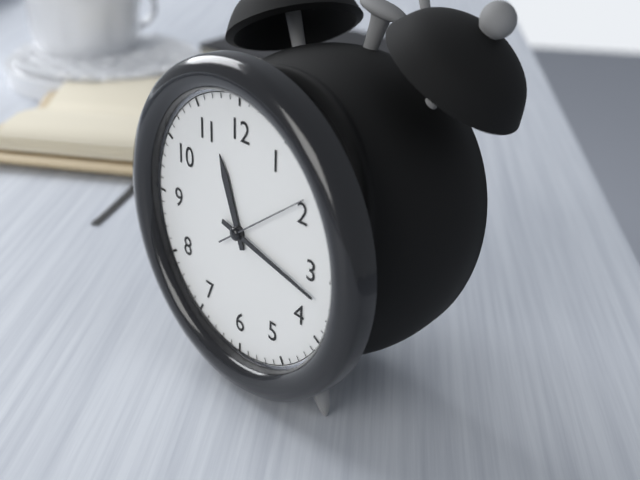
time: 11:17:09
